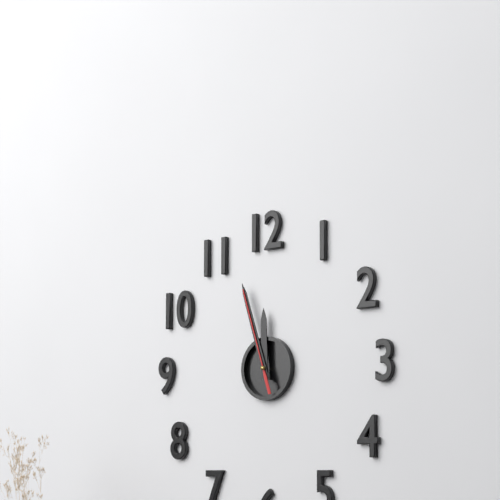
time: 11:57:57
